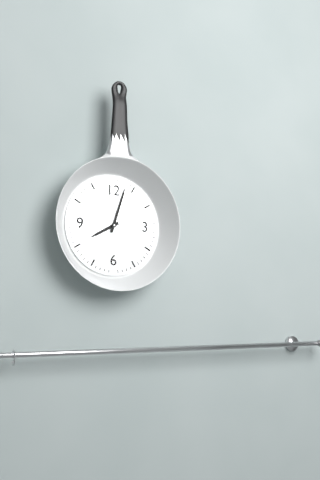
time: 8:03
